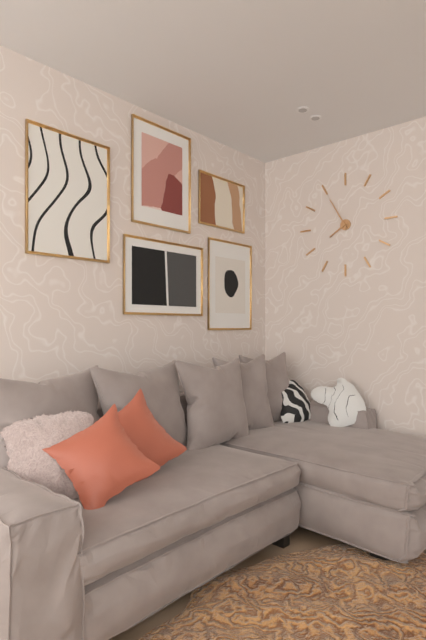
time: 7:55
